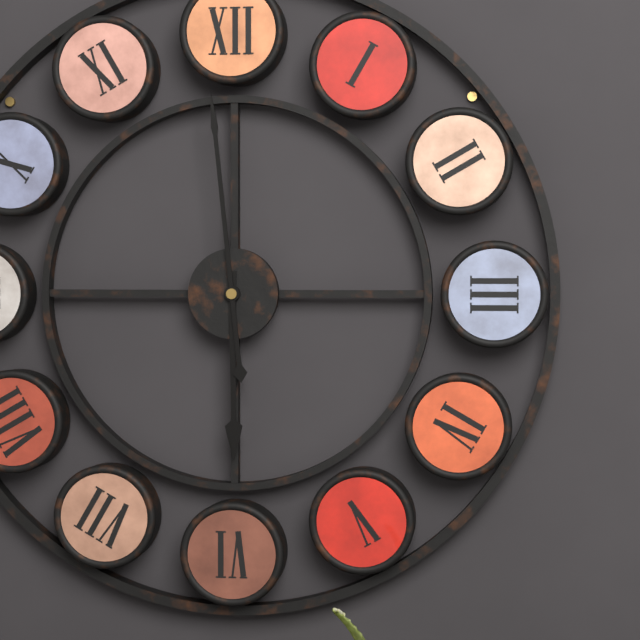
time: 5:59
